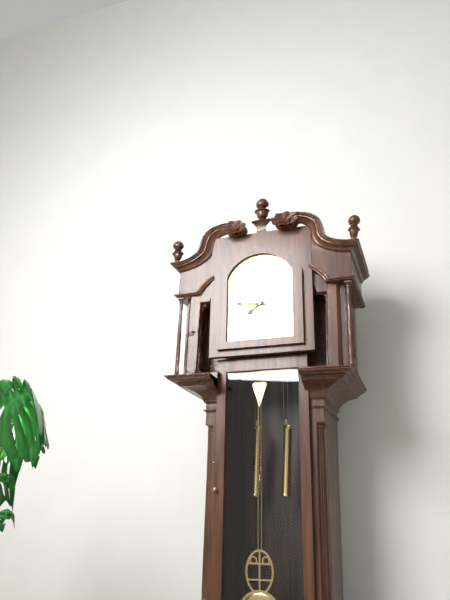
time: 7:46
